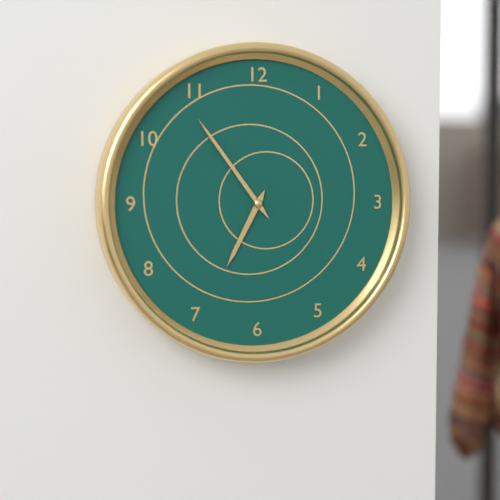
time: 6:54
